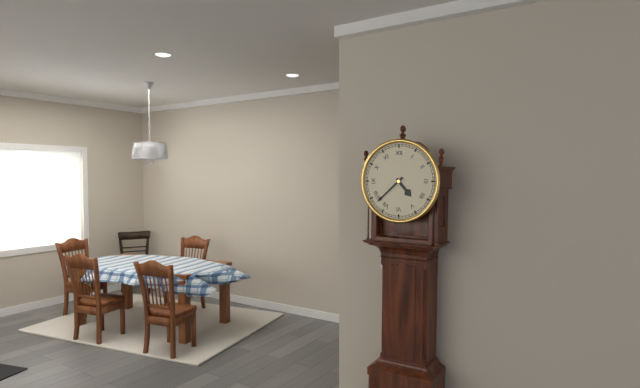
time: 4:38
